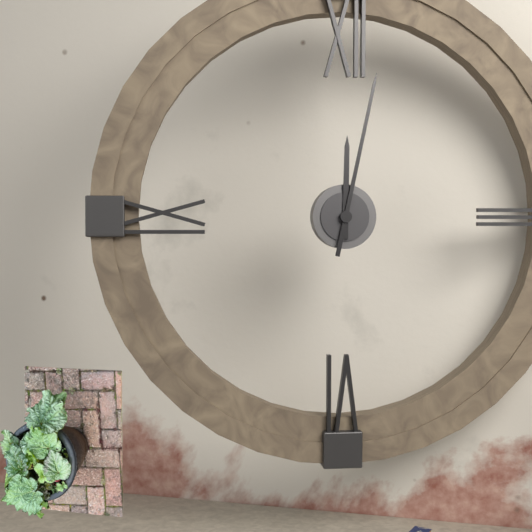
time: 12:02
